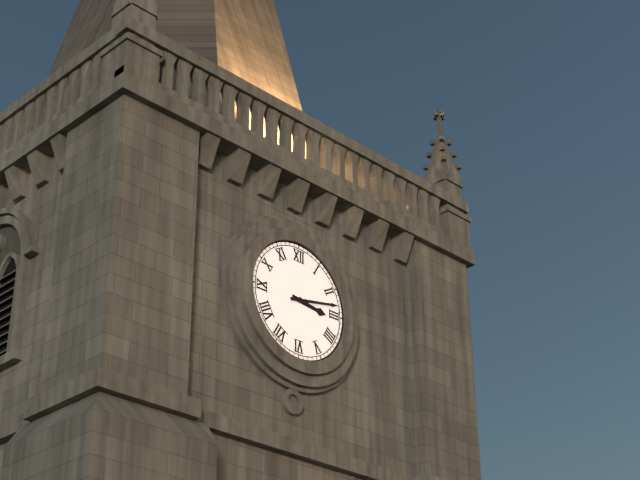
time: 3:13
